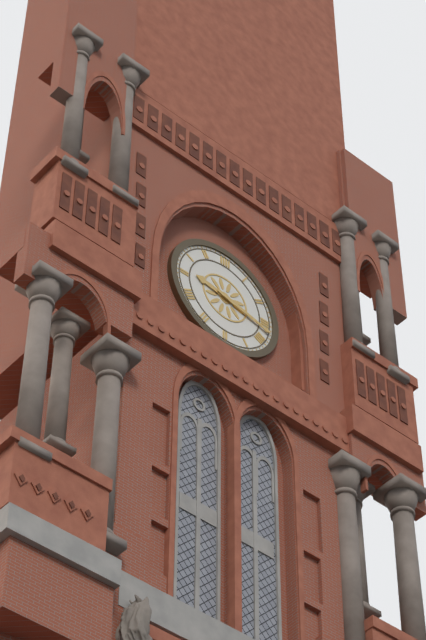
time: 9:17
